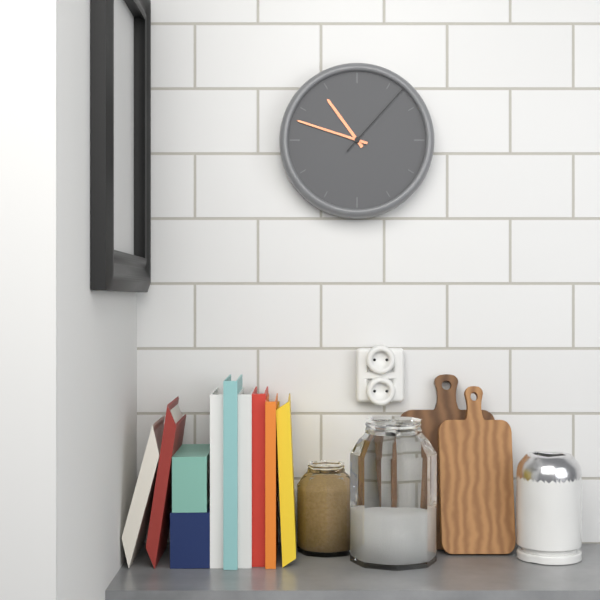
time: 10:48:07
